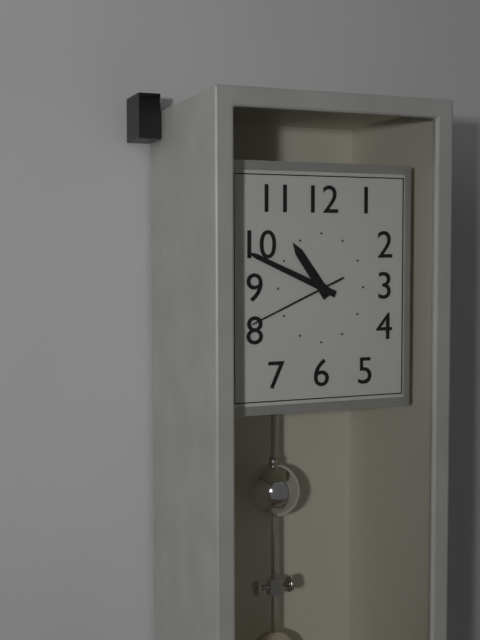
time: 10:49:41
